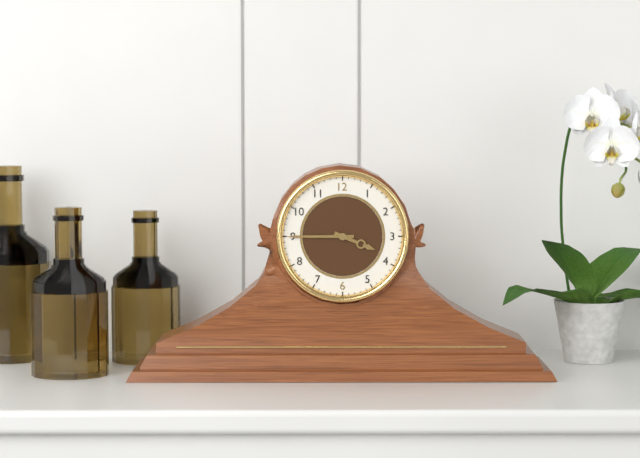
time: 3:45
